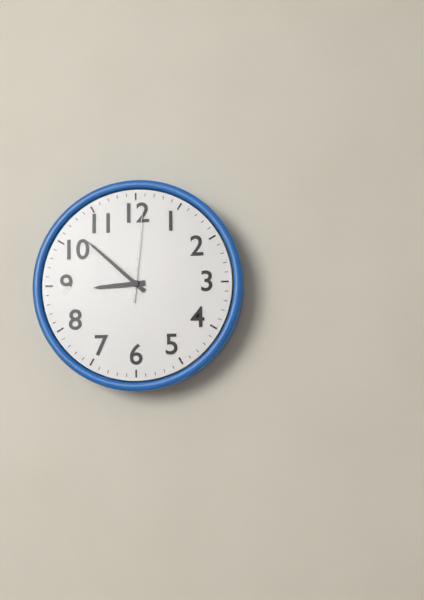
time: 8:52:01
